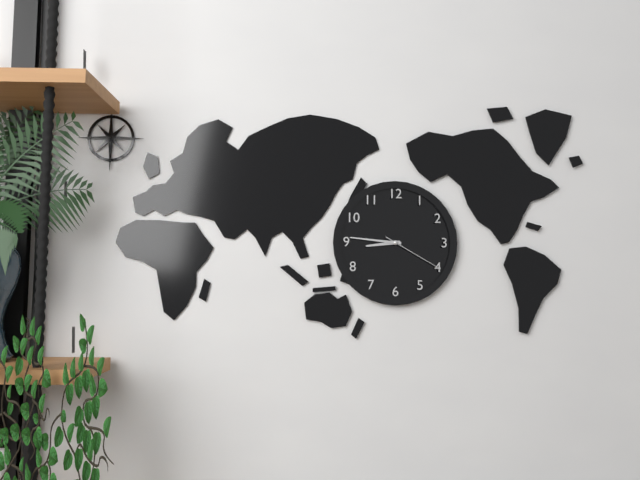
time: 8:46:20
